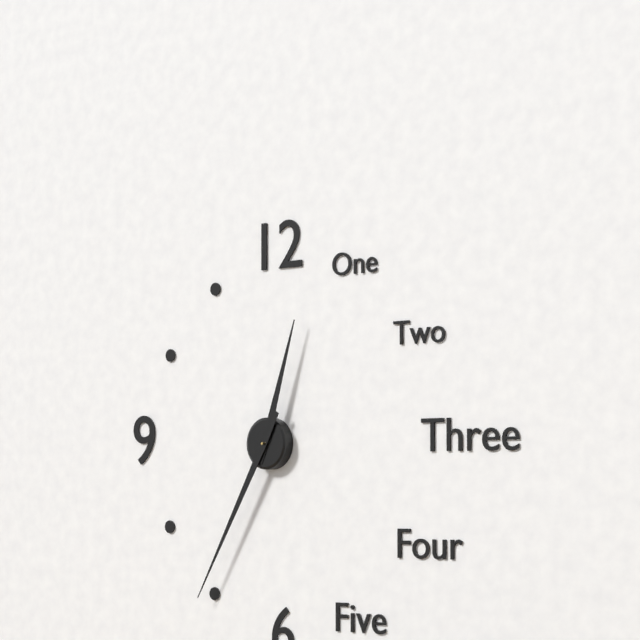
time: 12:35
